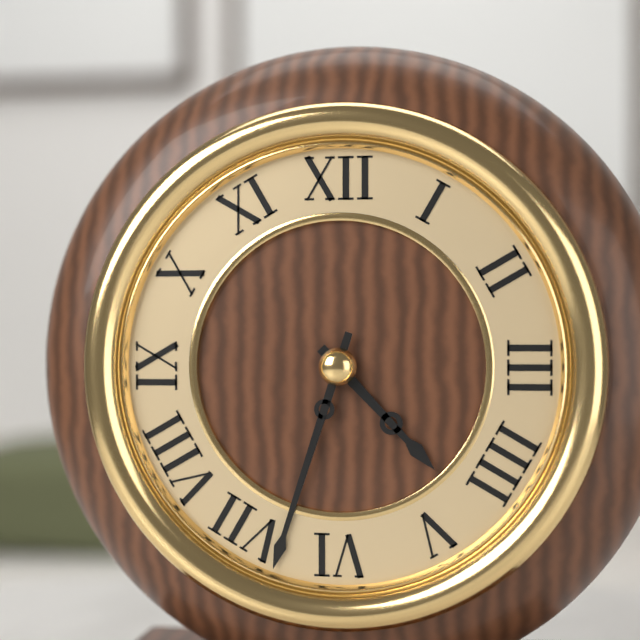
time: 4:33
